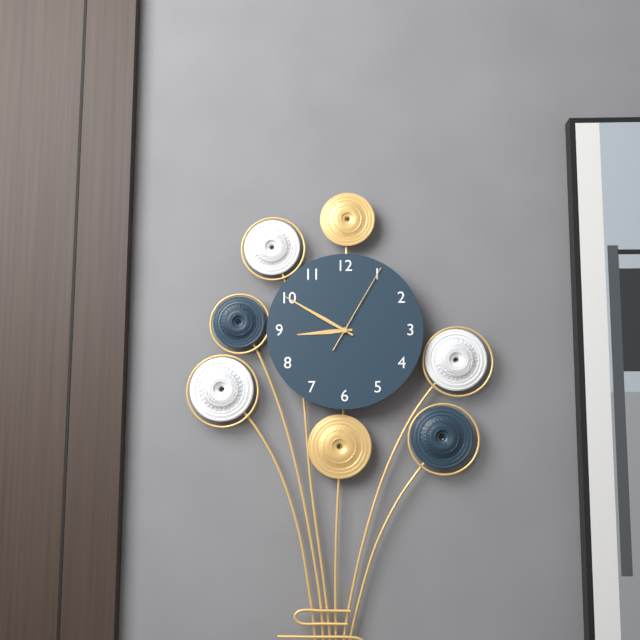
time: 8:50:05
